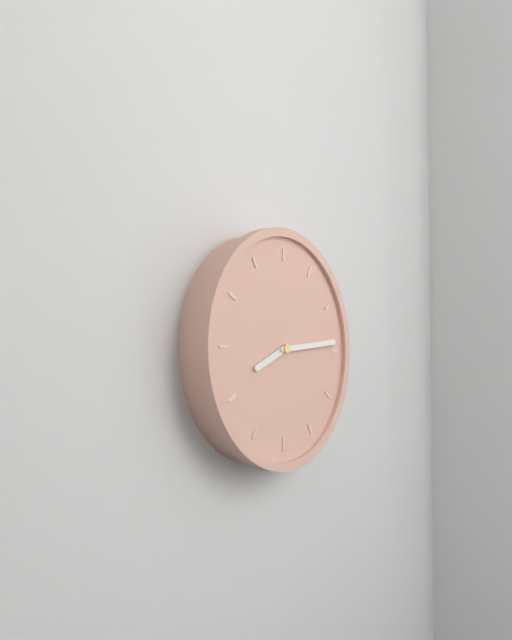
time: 8:14
